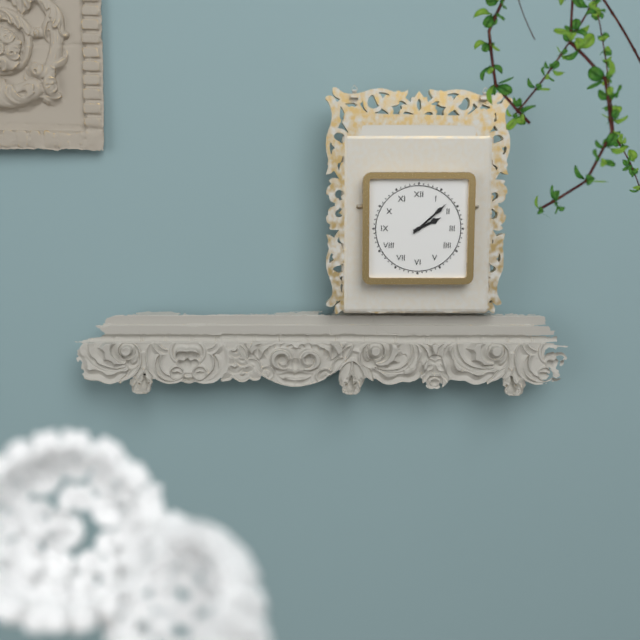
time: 2:08
